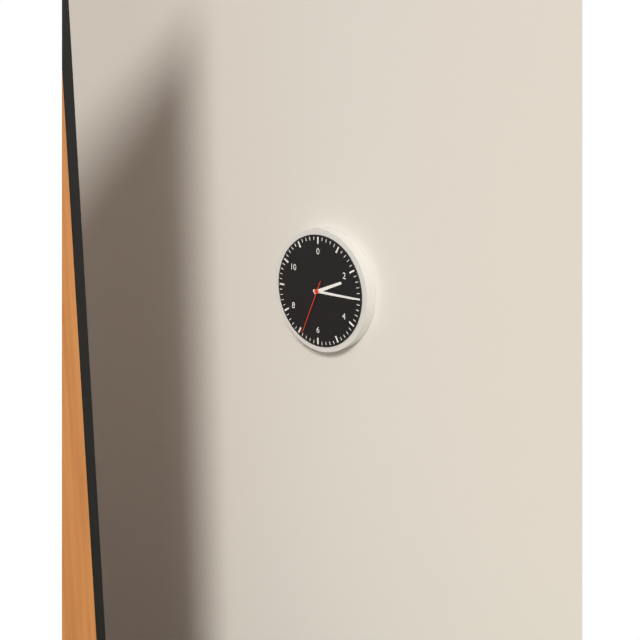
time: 2:15:34
